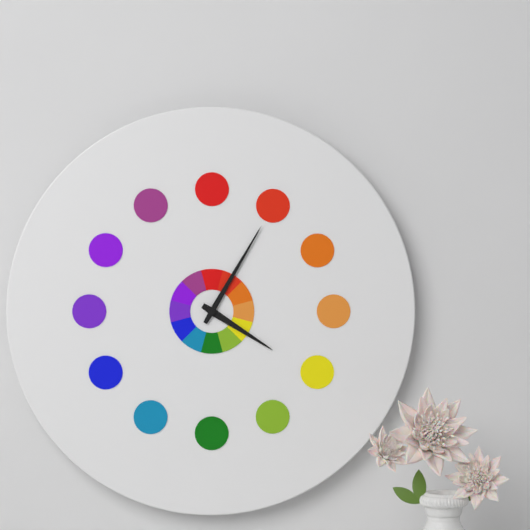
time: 4:05
